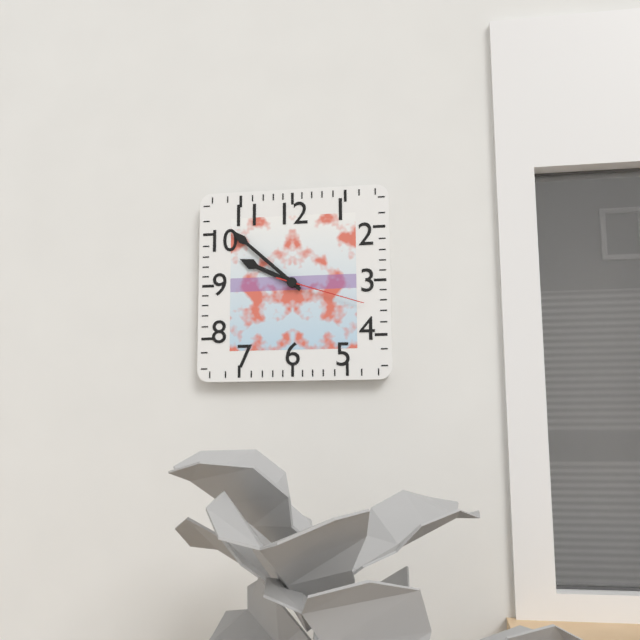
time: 9:52:18
